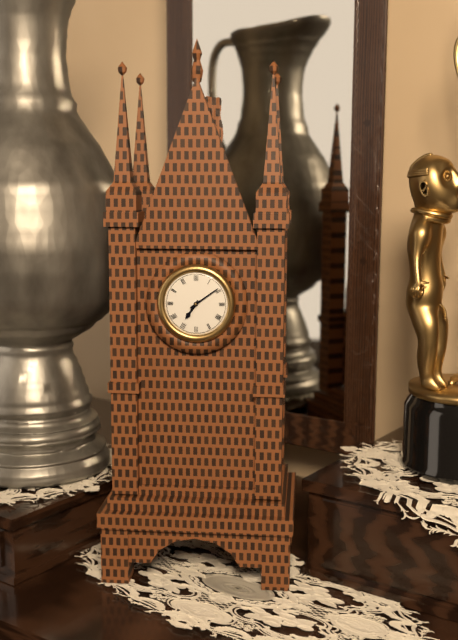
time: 7:09
